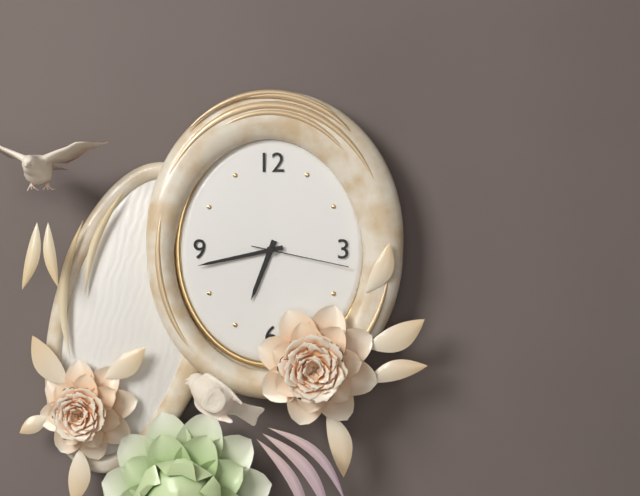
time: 6:43:17
